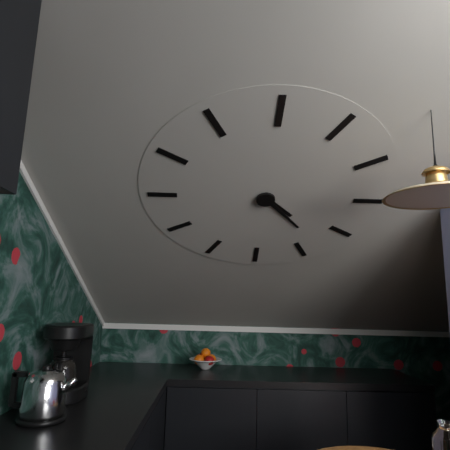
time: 4:23
